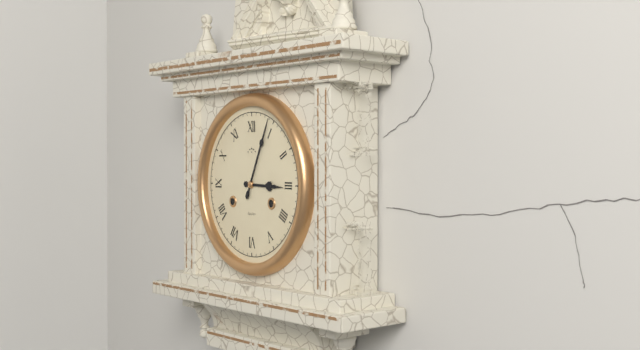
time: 3:04
